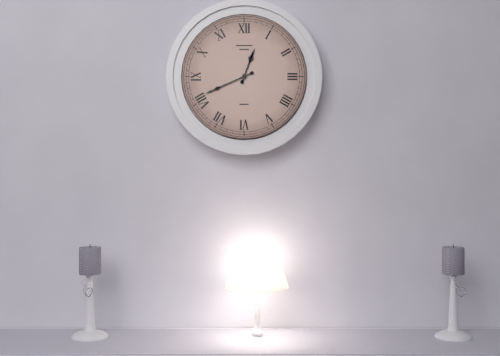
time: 12:41
